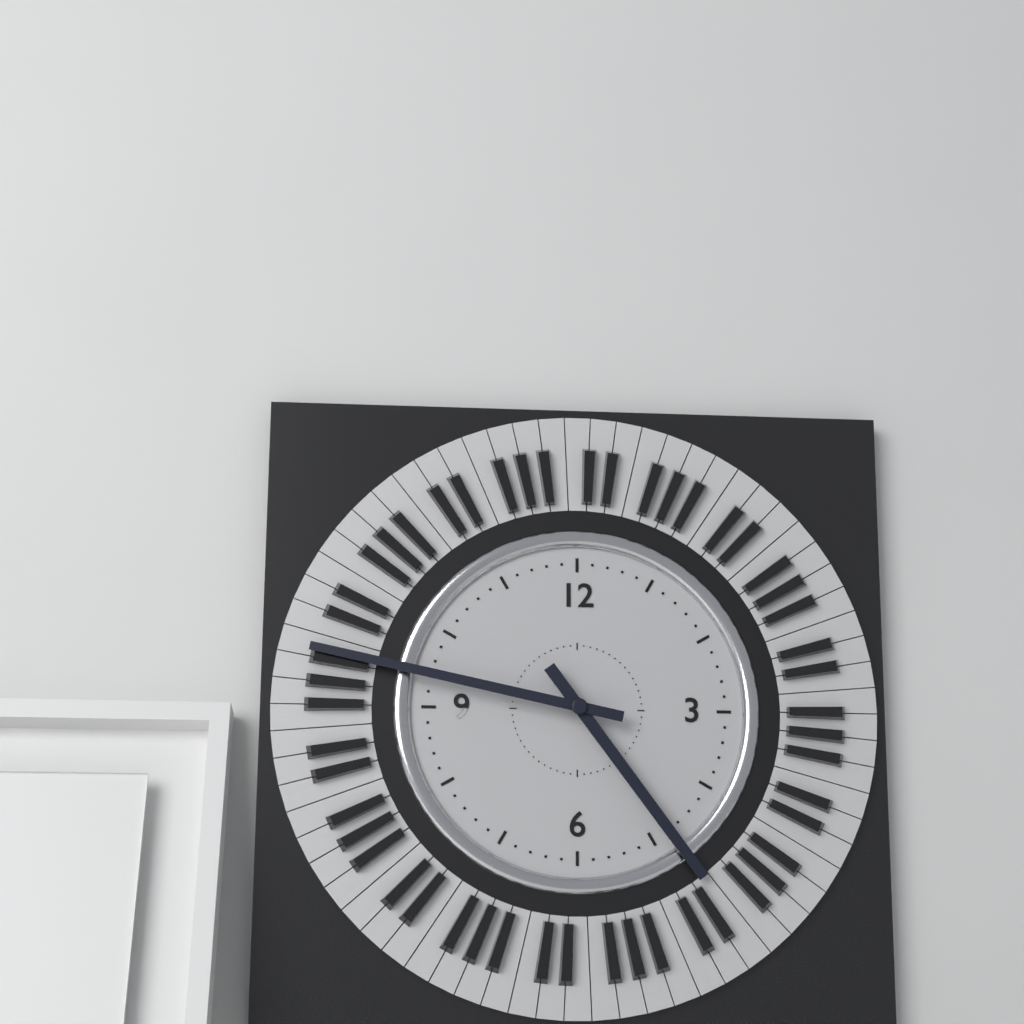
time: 4:47
